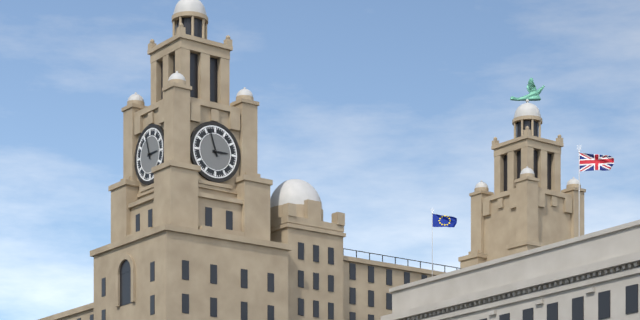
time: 2:57
